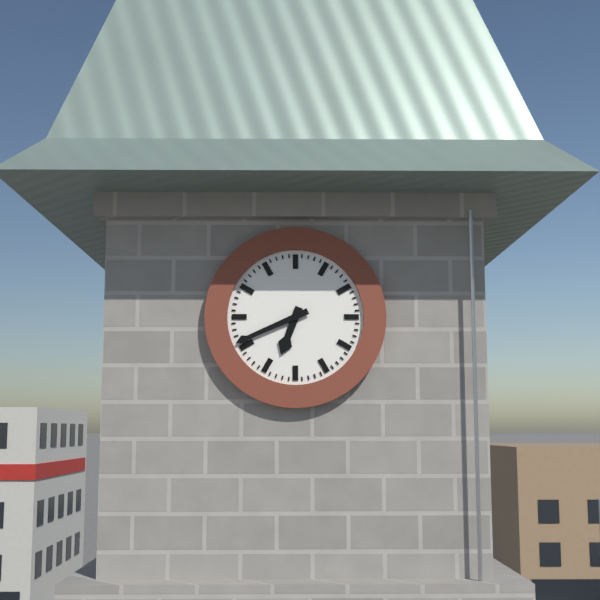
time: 6:41
